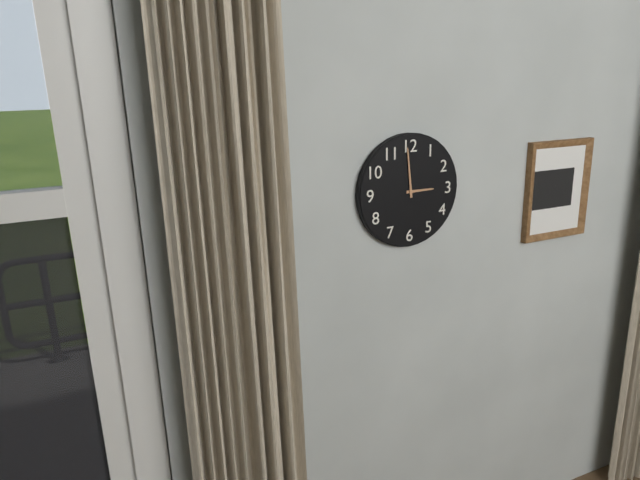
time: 2:59
